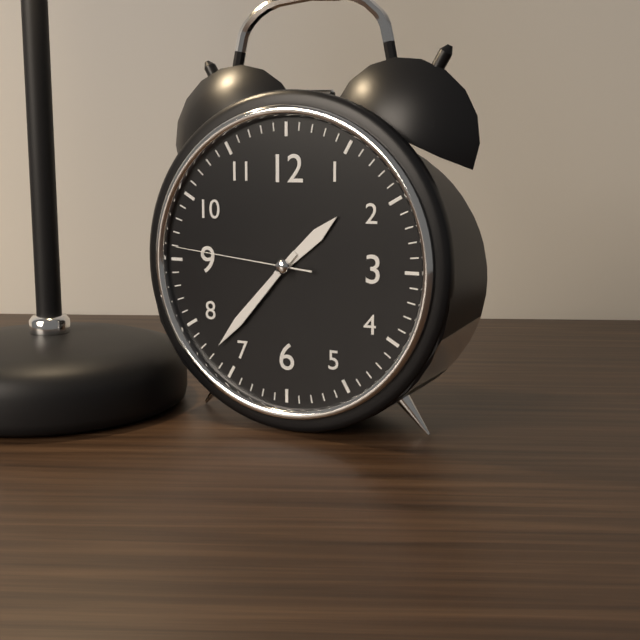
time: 1:37:46
